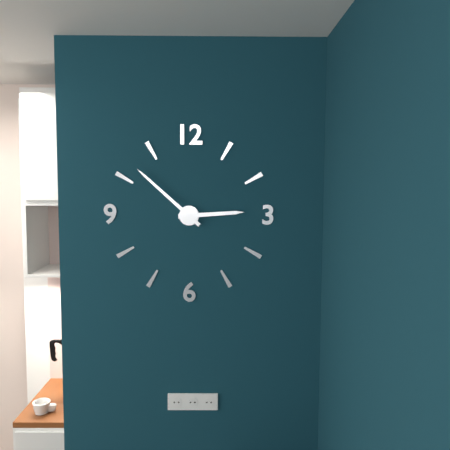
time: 2:52
